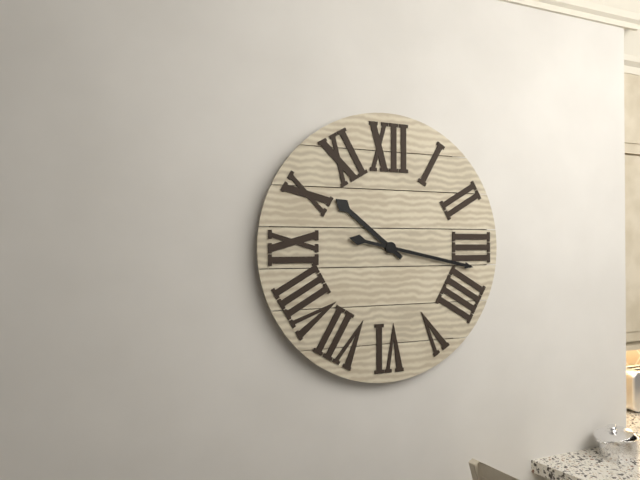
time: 10:17
